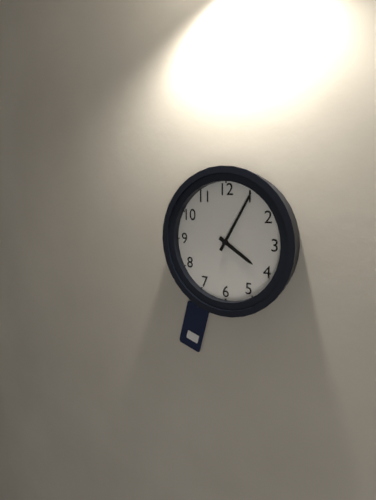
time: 4:05
